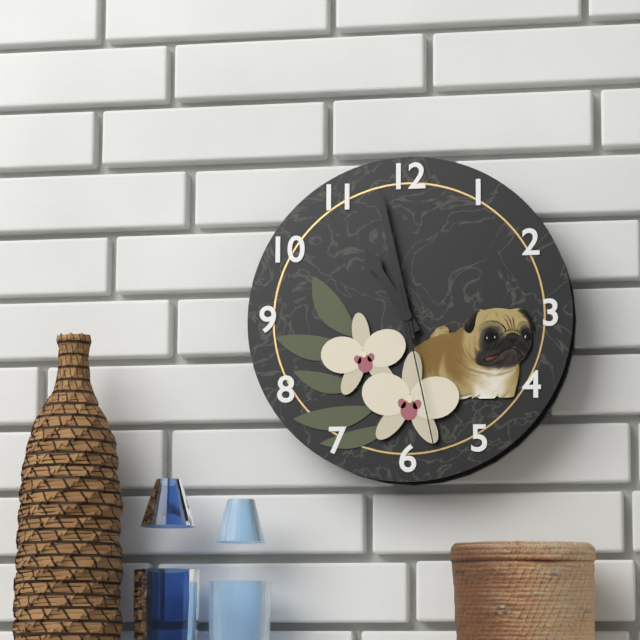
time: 10:58:28
